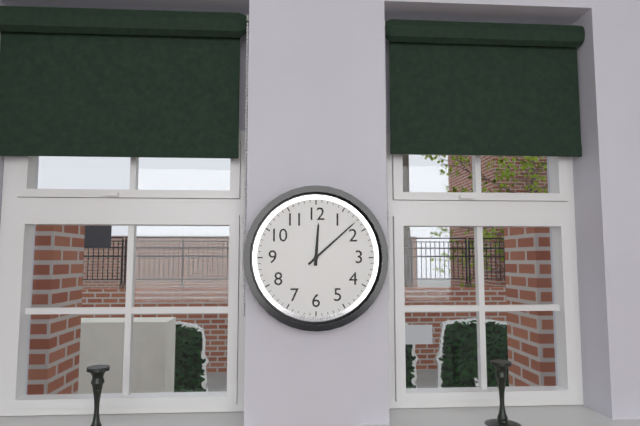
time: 12:08
